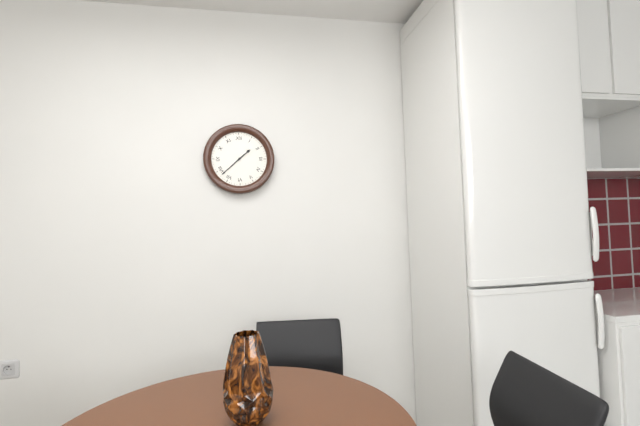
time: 1:38
